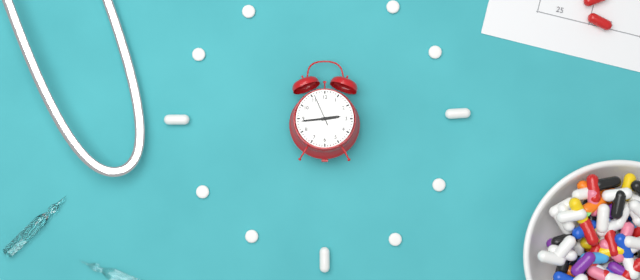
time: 2:44
